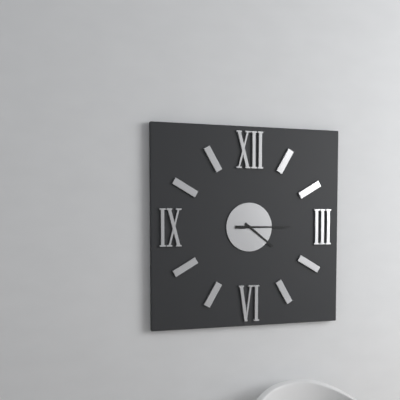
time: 4:15
